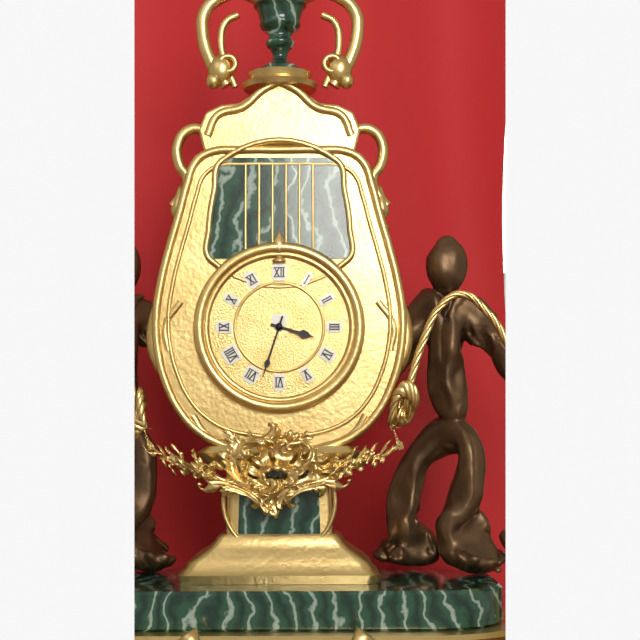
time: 3:33
